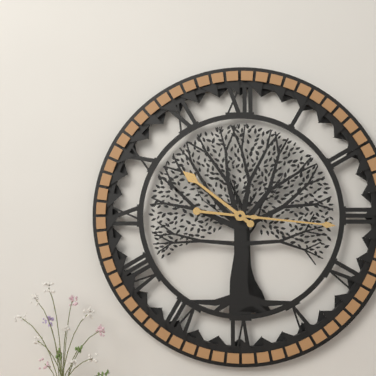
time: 10:16
